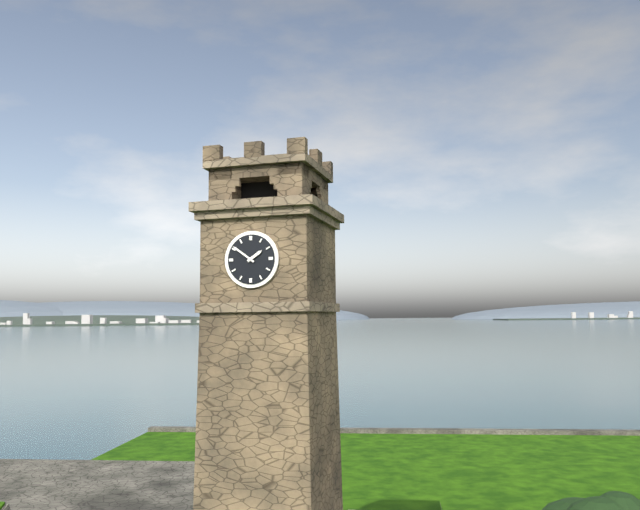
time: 1:51
